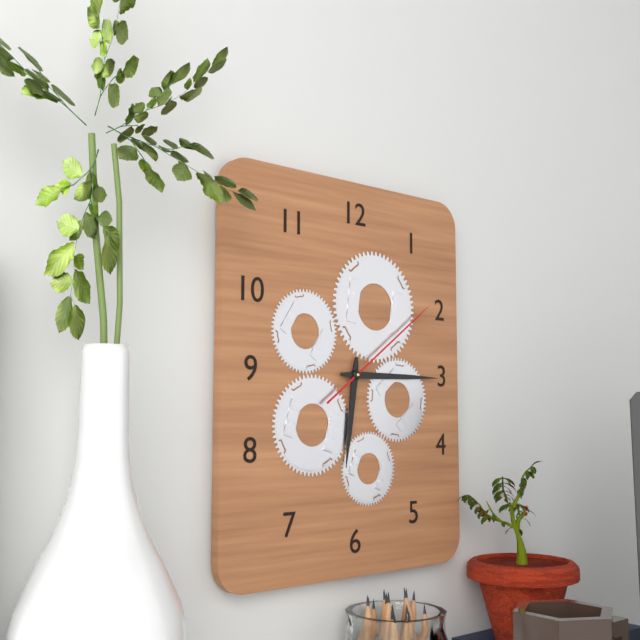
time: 6:15:09
